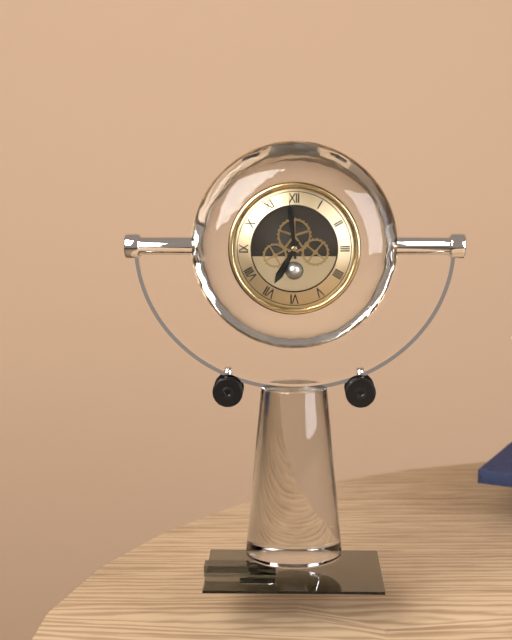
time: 6:59
